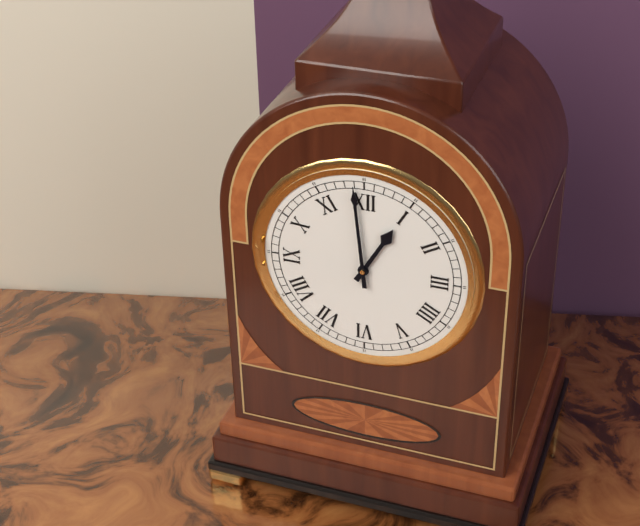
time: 12:59
